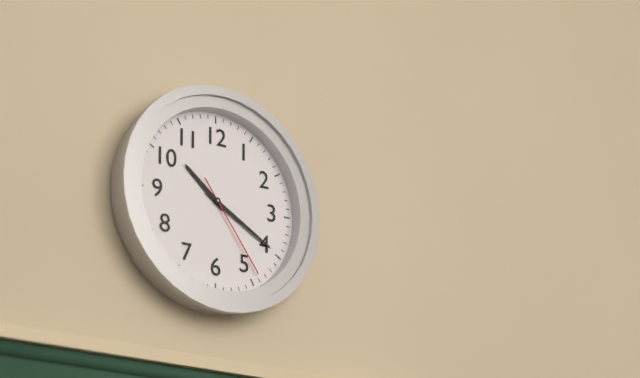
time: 10:20:24
